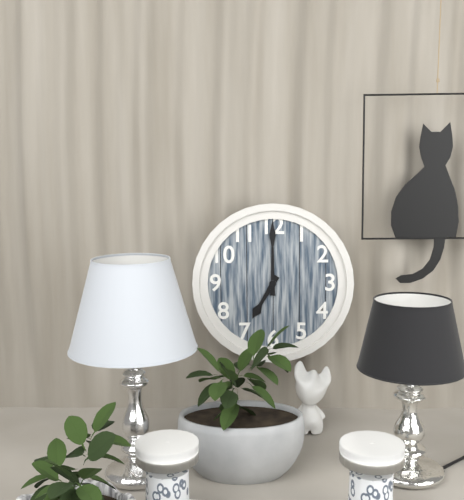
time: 7:00
